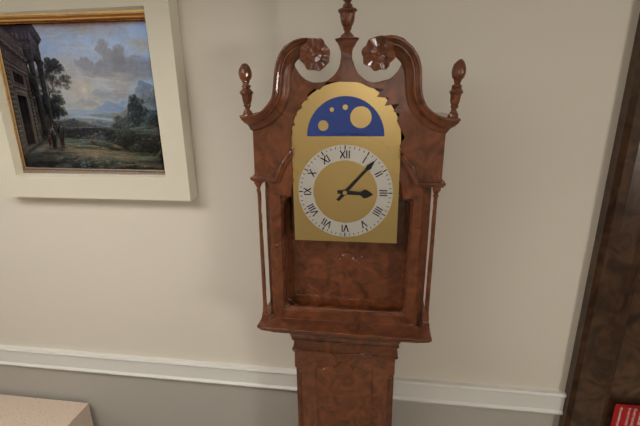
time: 3:07
